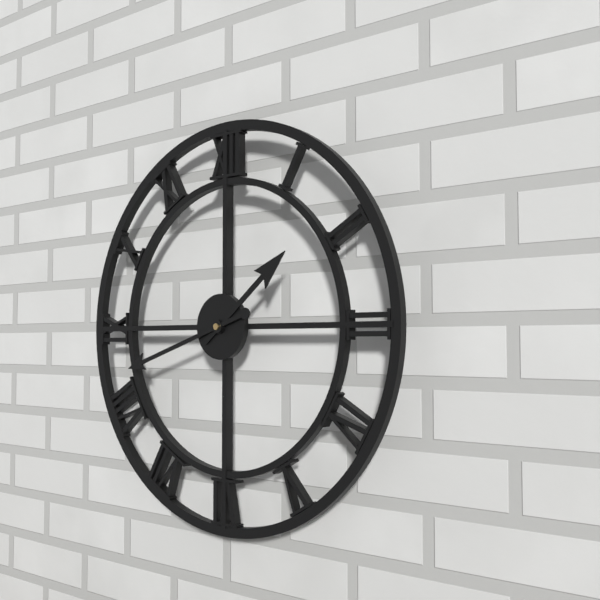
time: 1:42
